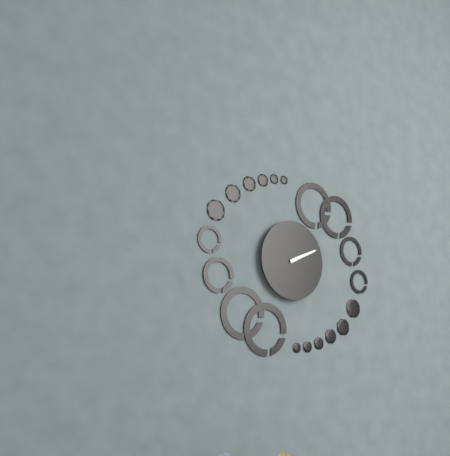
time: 2:11
